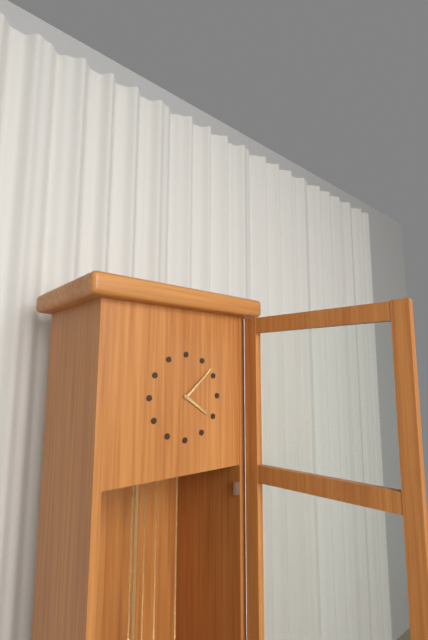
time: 4:08
